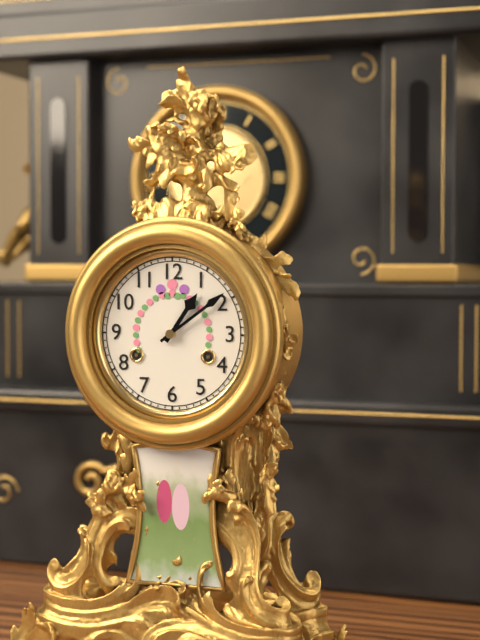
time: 1:09
